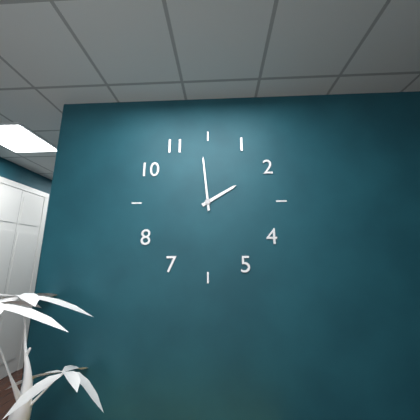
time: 1:59
